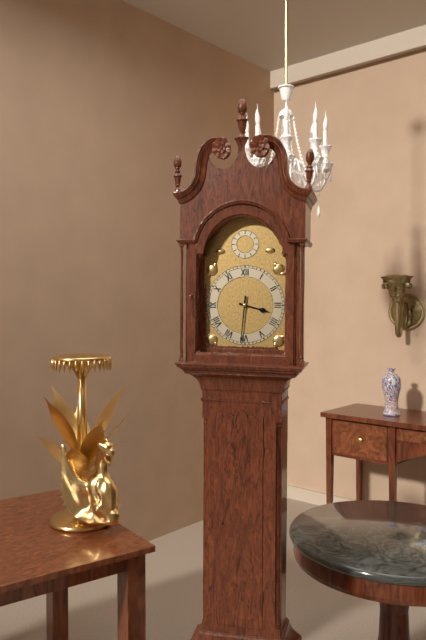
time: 3:31
